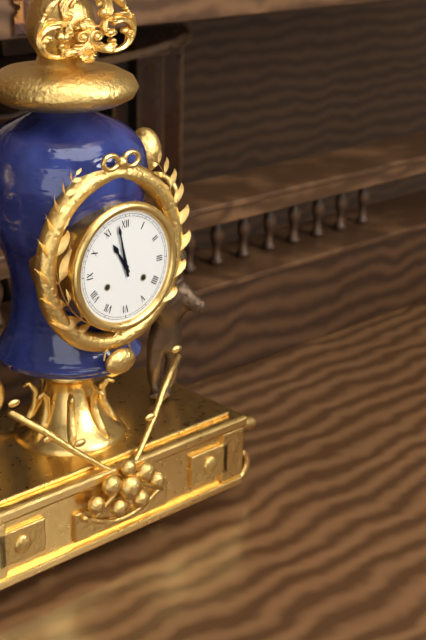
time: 10:58
